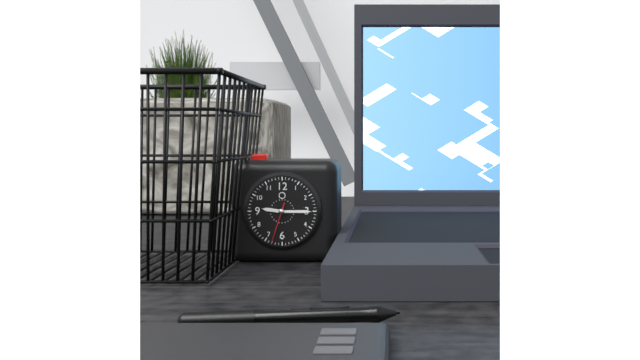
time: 9:15
